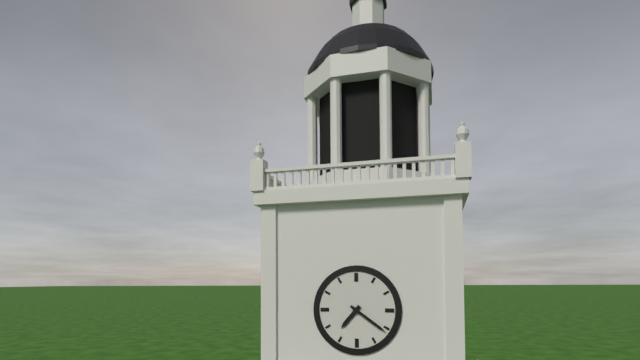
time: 7:21
